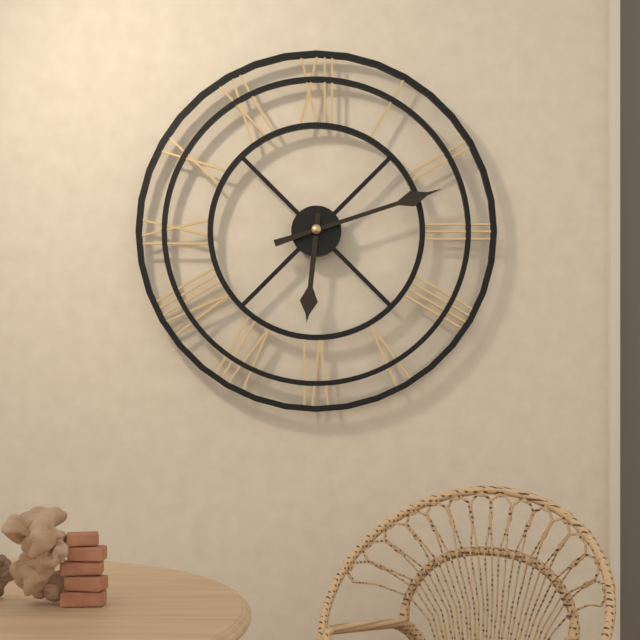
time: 6:12
